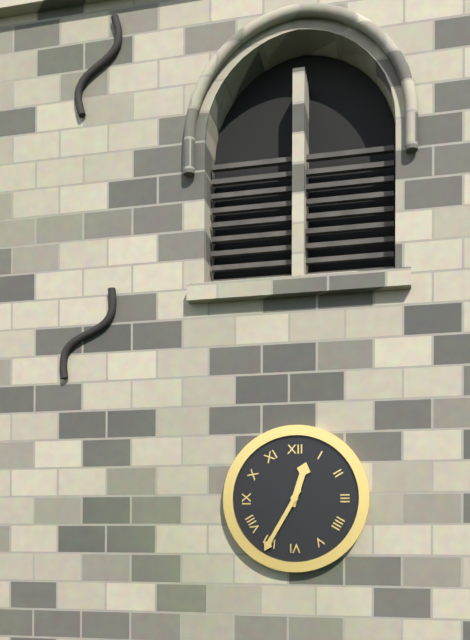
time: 12:35
